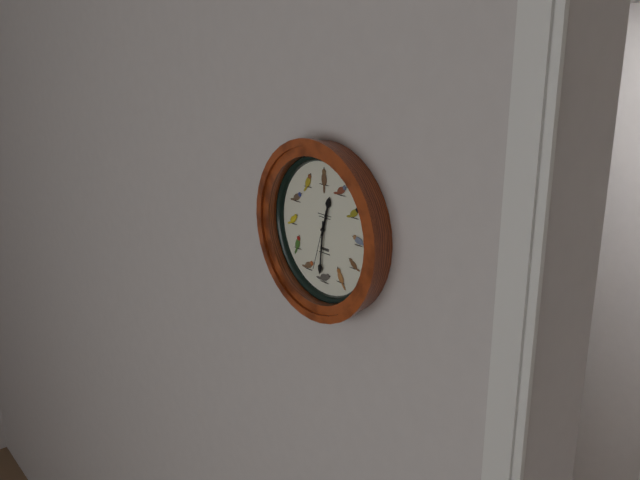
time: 12:31:33
